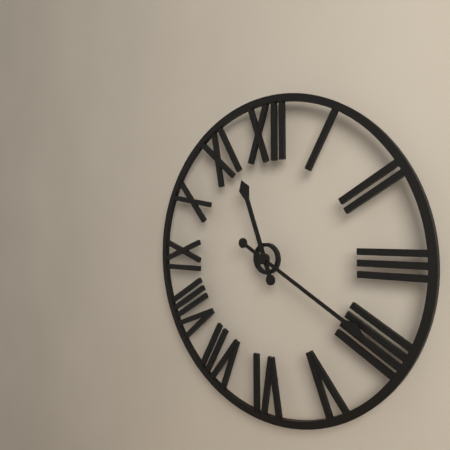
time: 11:20
